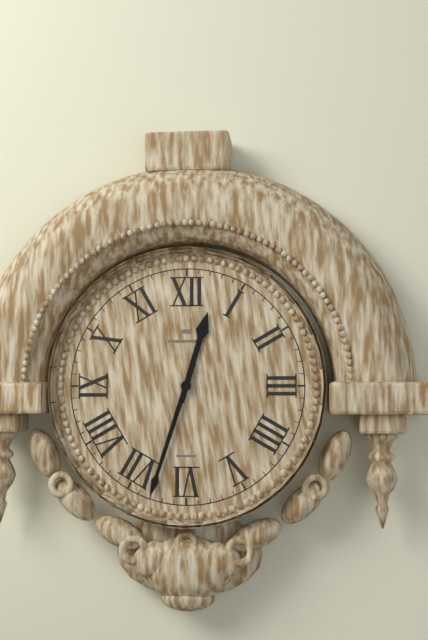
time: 12:33
